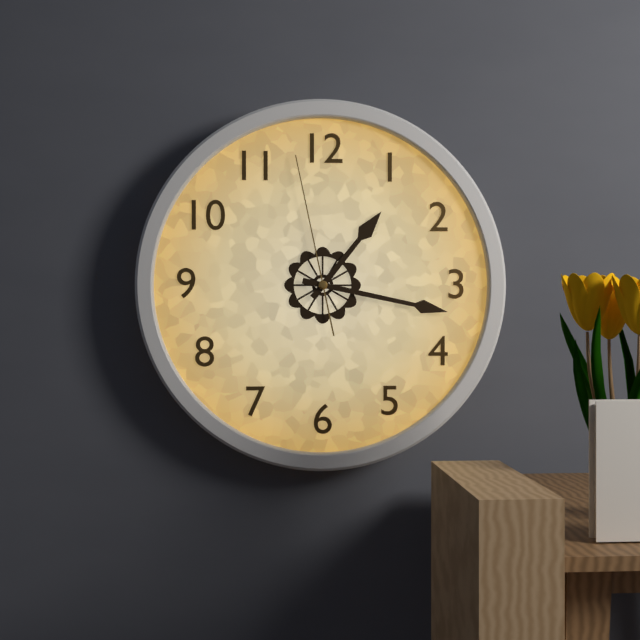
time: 1:17:58
